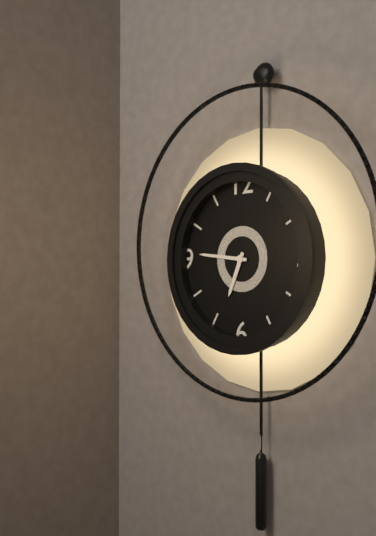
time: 6:46
